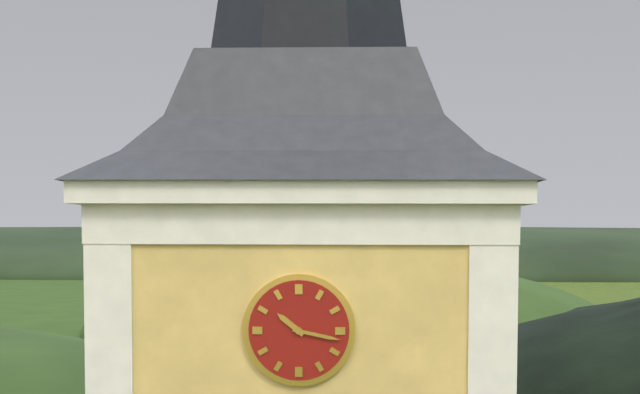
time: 10:17
